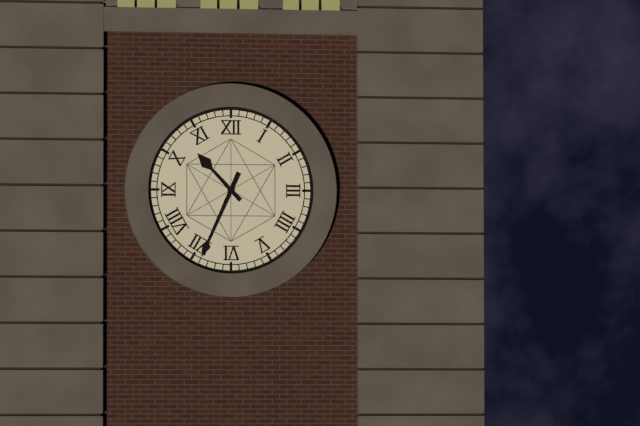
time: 10:34
